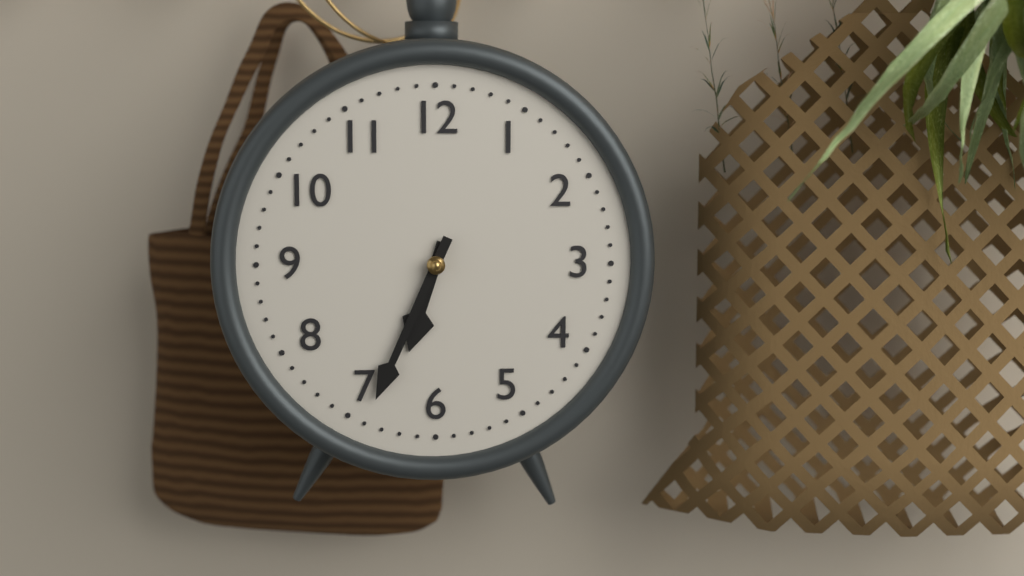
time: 6:34
